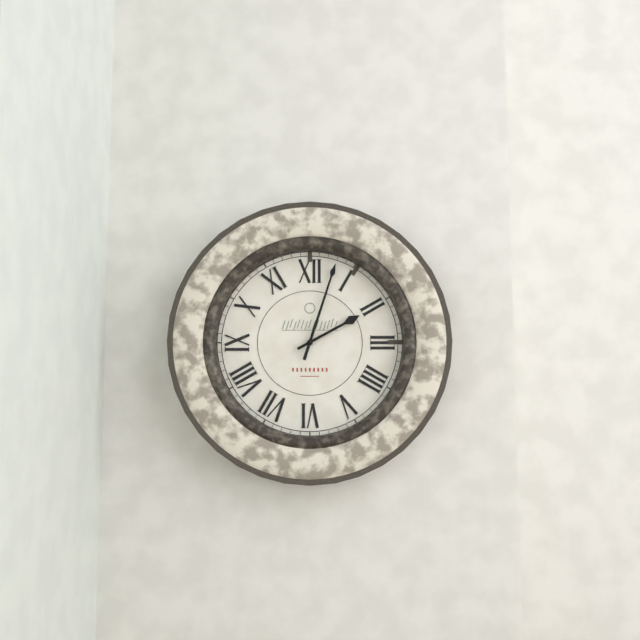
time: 2:03
